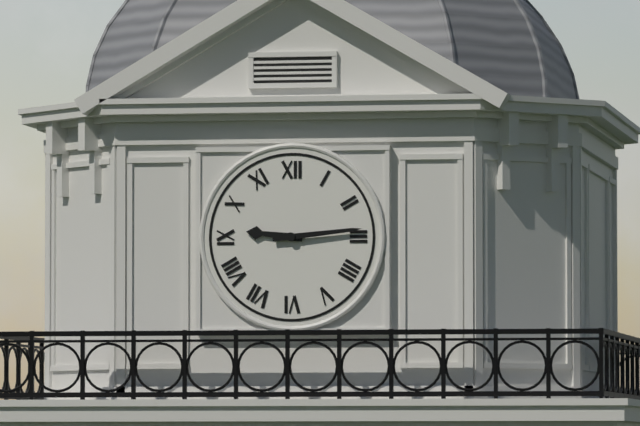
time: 9:14
